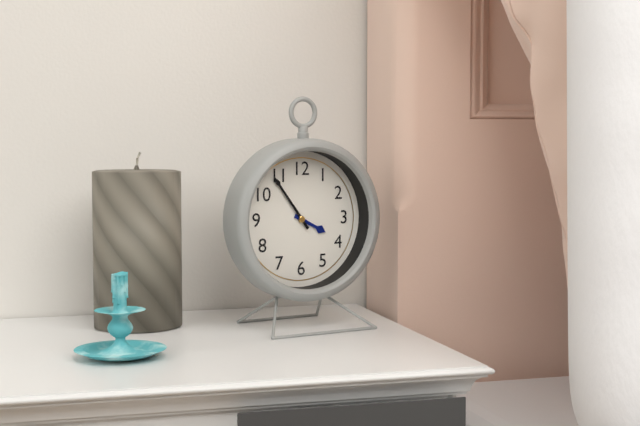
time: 3:54
